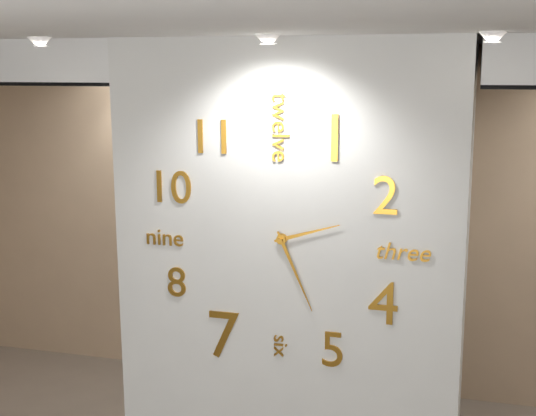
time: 2:26
